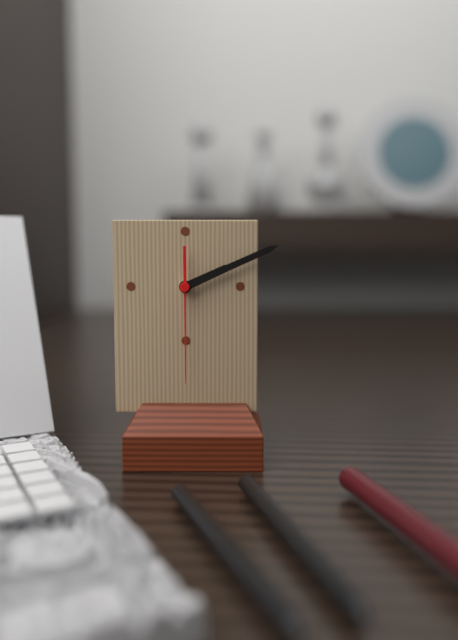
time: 2:11:30
